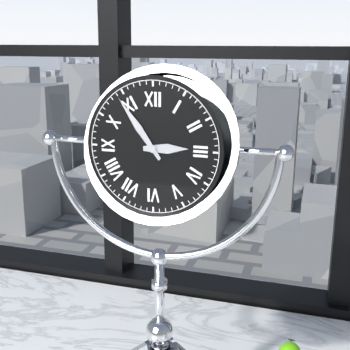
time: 2:54
